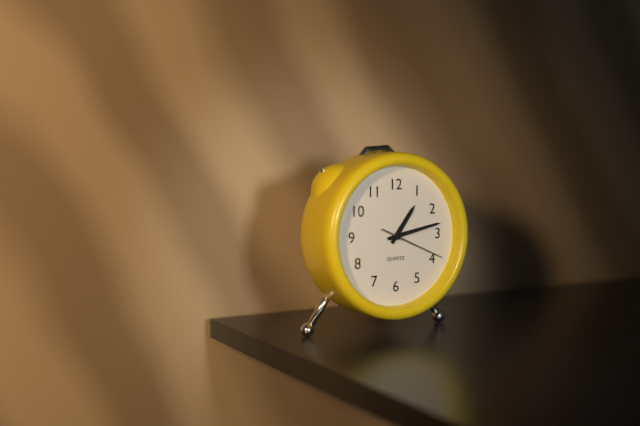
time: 1:13:19
